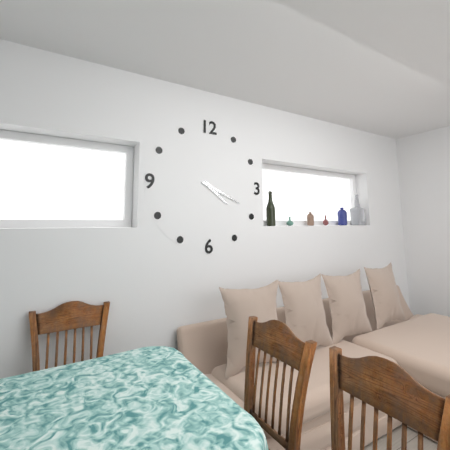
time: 4:19
